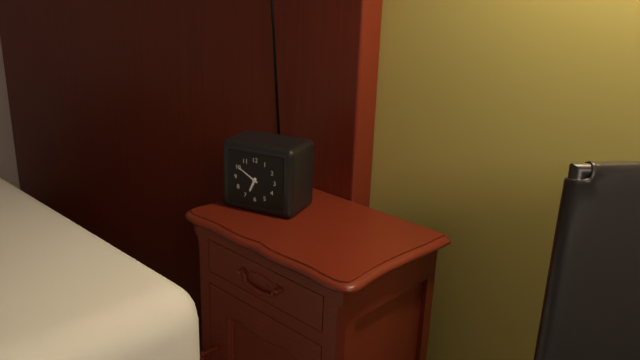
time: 6:50
